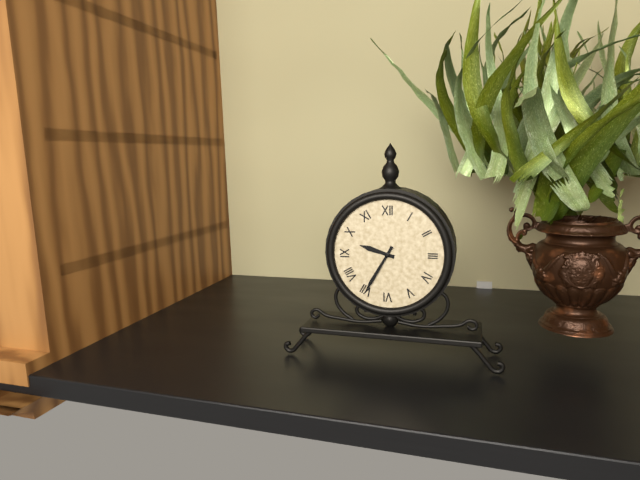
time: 9:35
